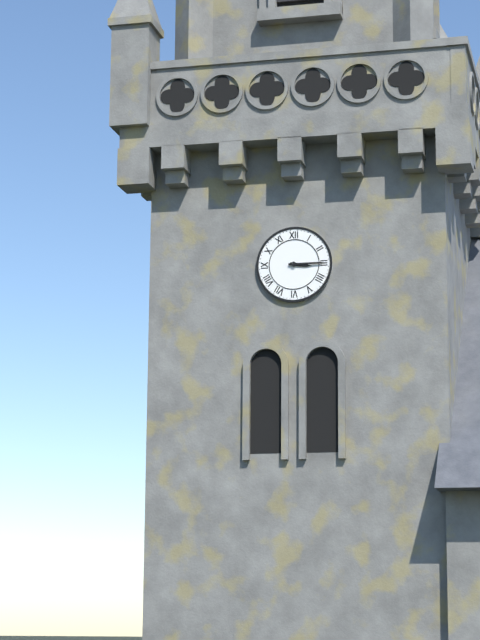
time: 3:15
